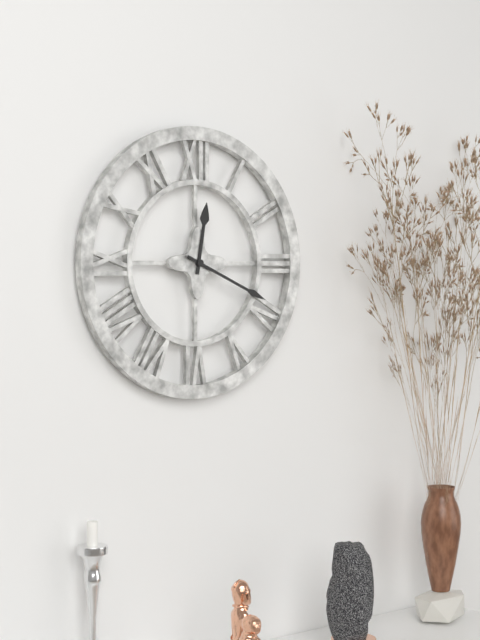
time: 12:19
